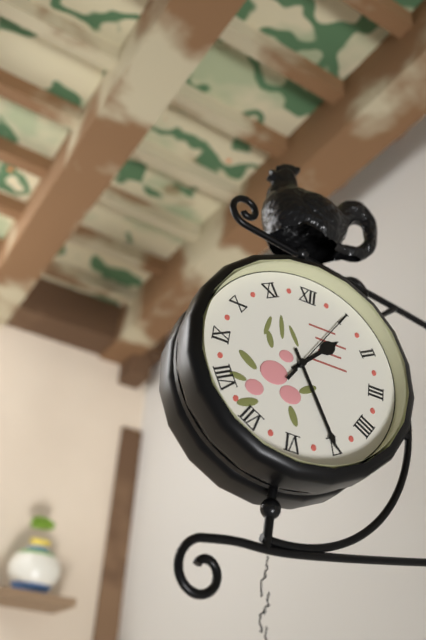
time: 1:25:05
